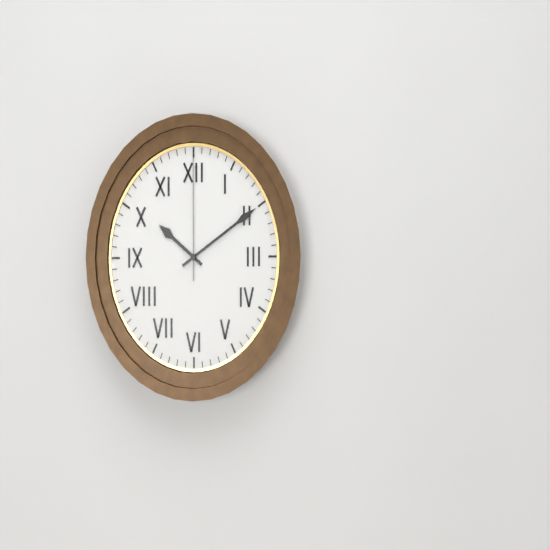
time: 10:10:00
